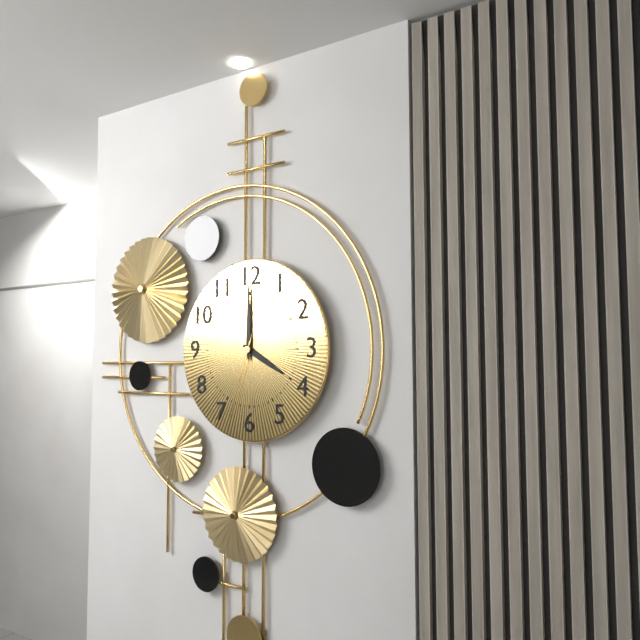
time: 4:00:33
